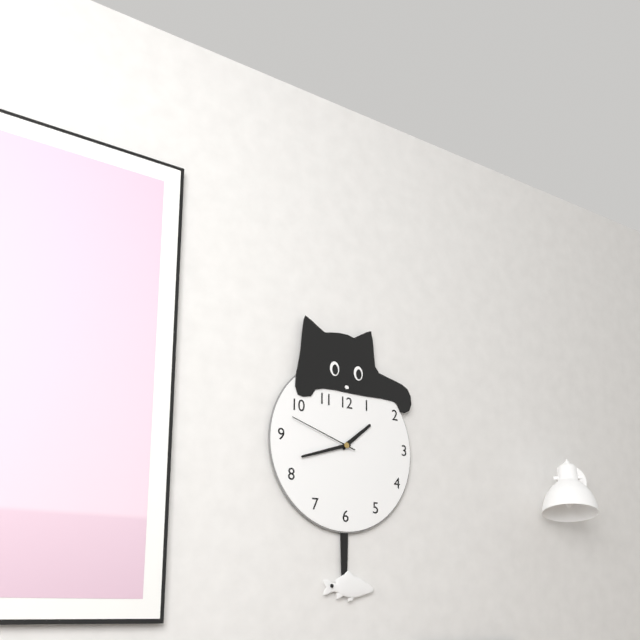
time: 1:42:48
